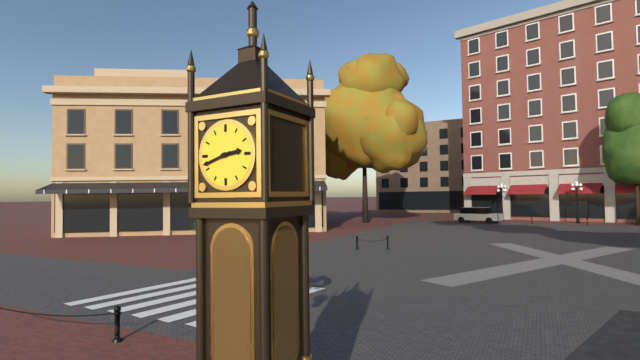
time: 2:42
